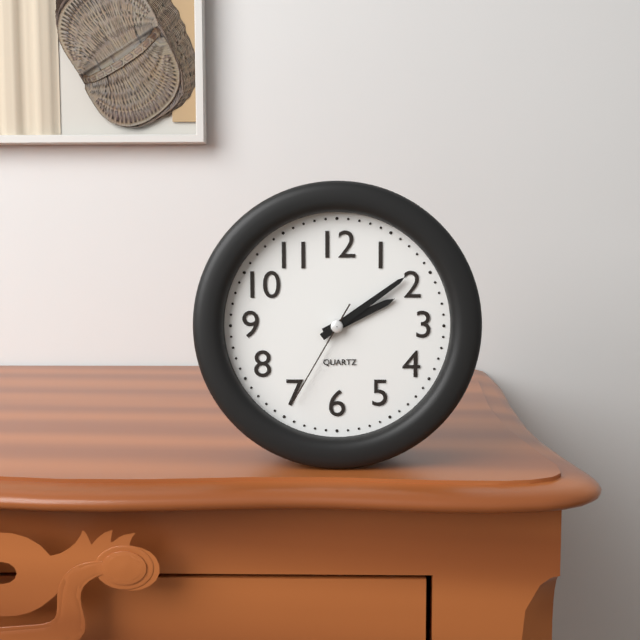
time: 2:09:35
